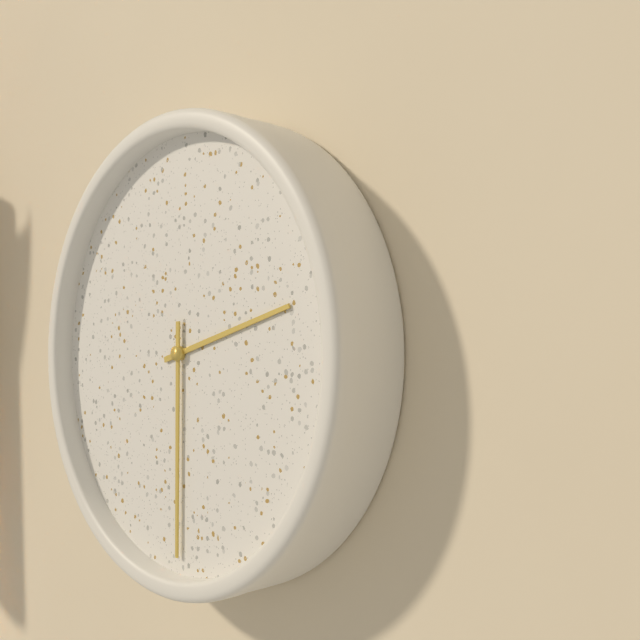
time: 2:30
